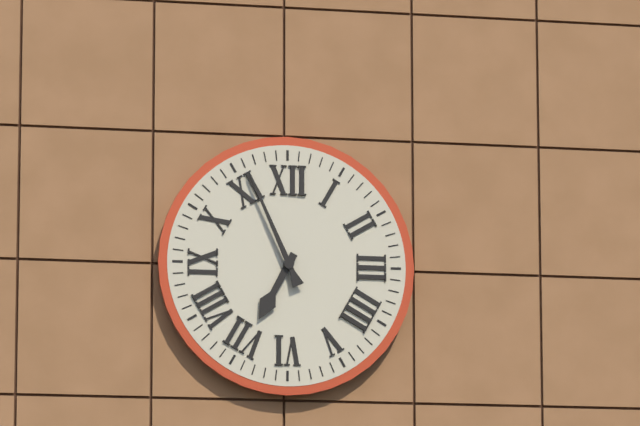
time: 6:56
